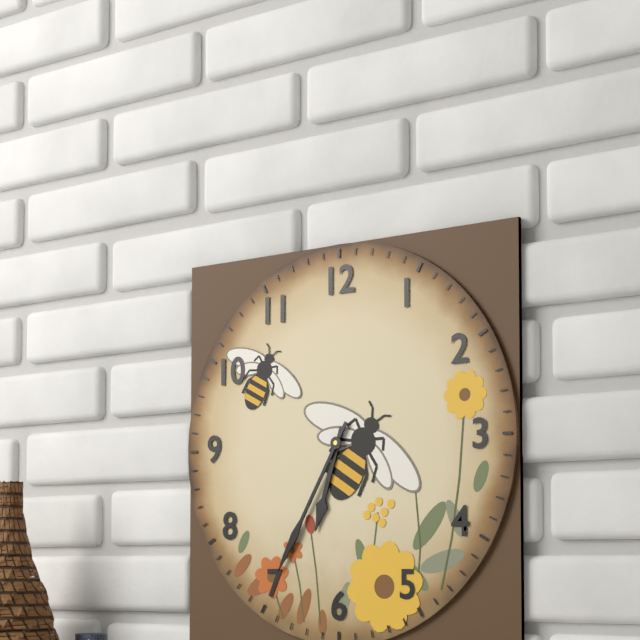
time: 6:35
